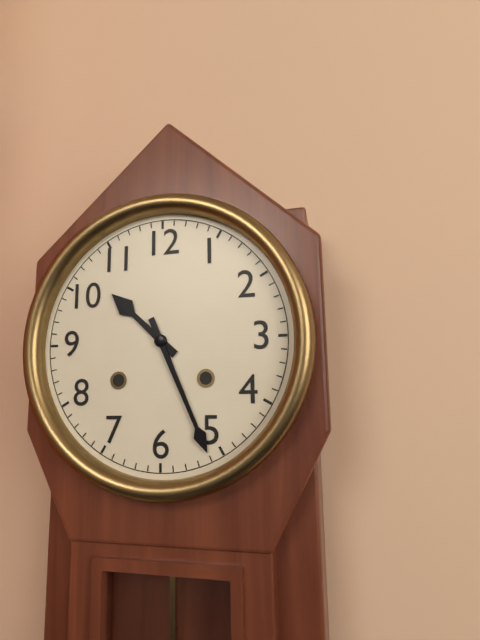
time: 10:26
